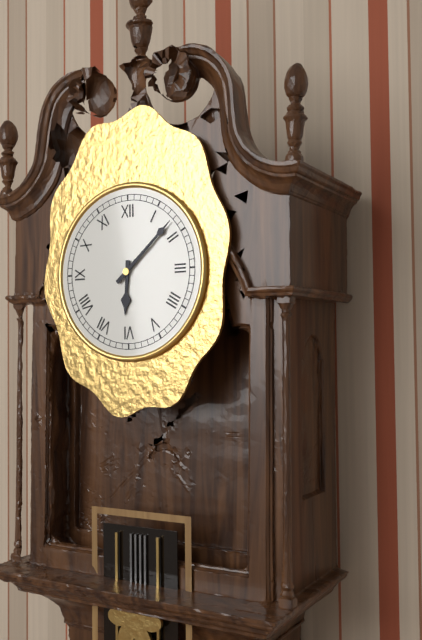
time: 6:08
